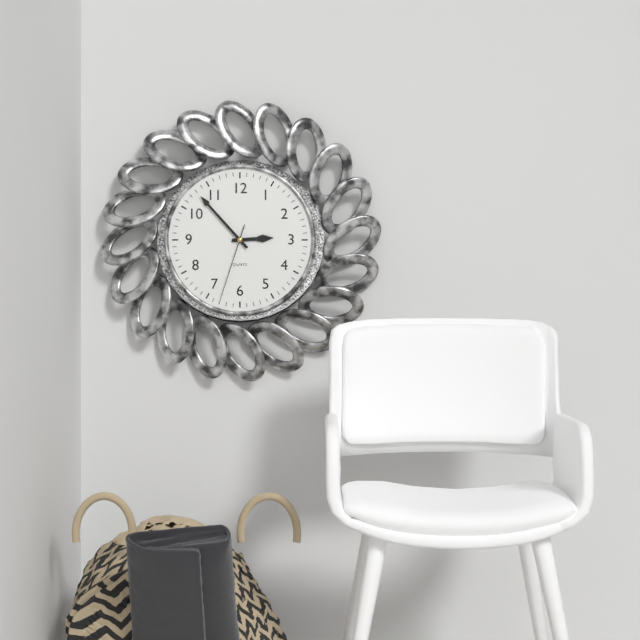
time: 2:53:33
